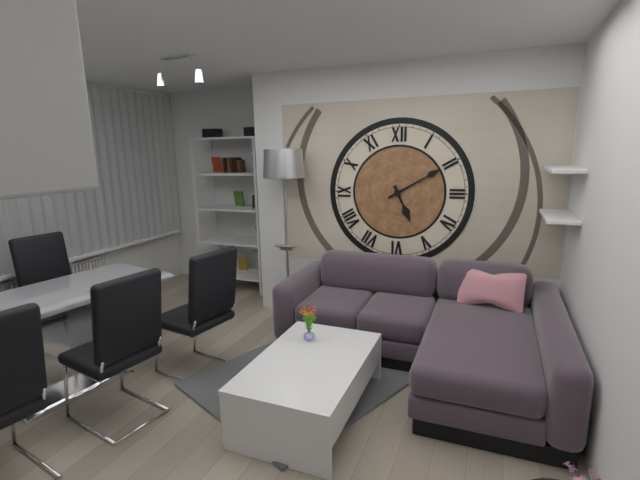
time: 5:10
